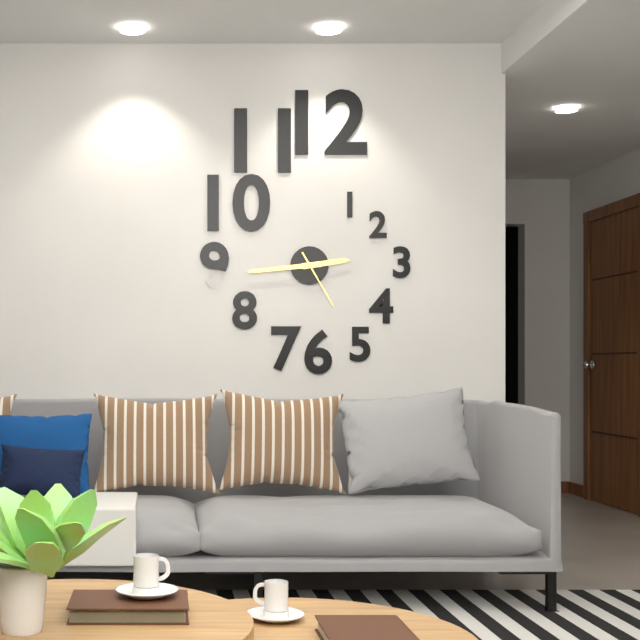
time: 2:44:25
